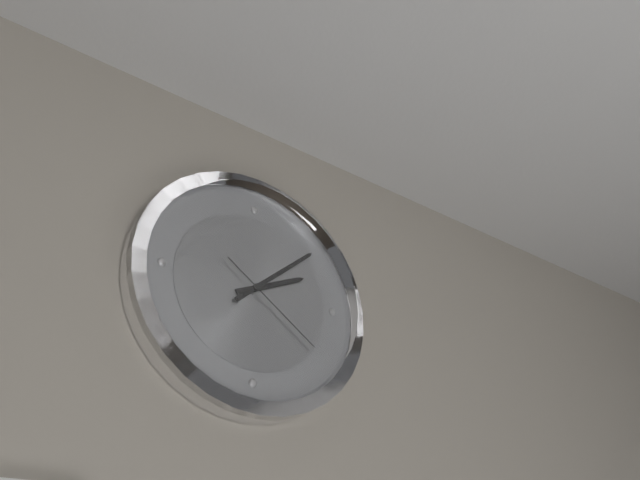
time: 2:08:21
